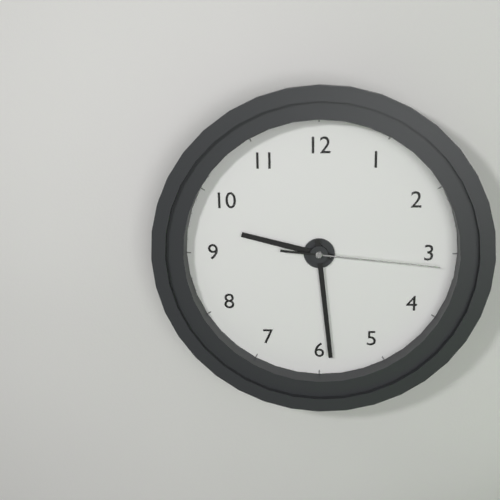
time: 9:29:16
